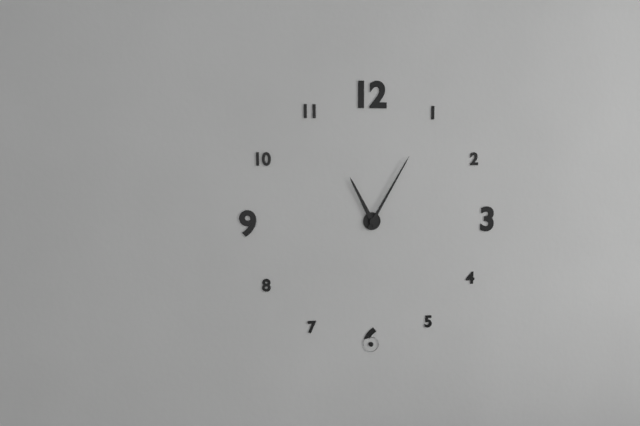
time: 11:05
